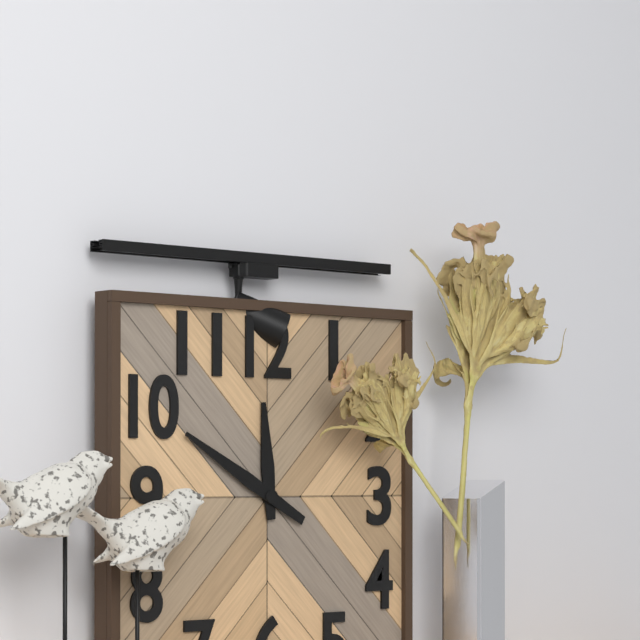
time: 11:50
